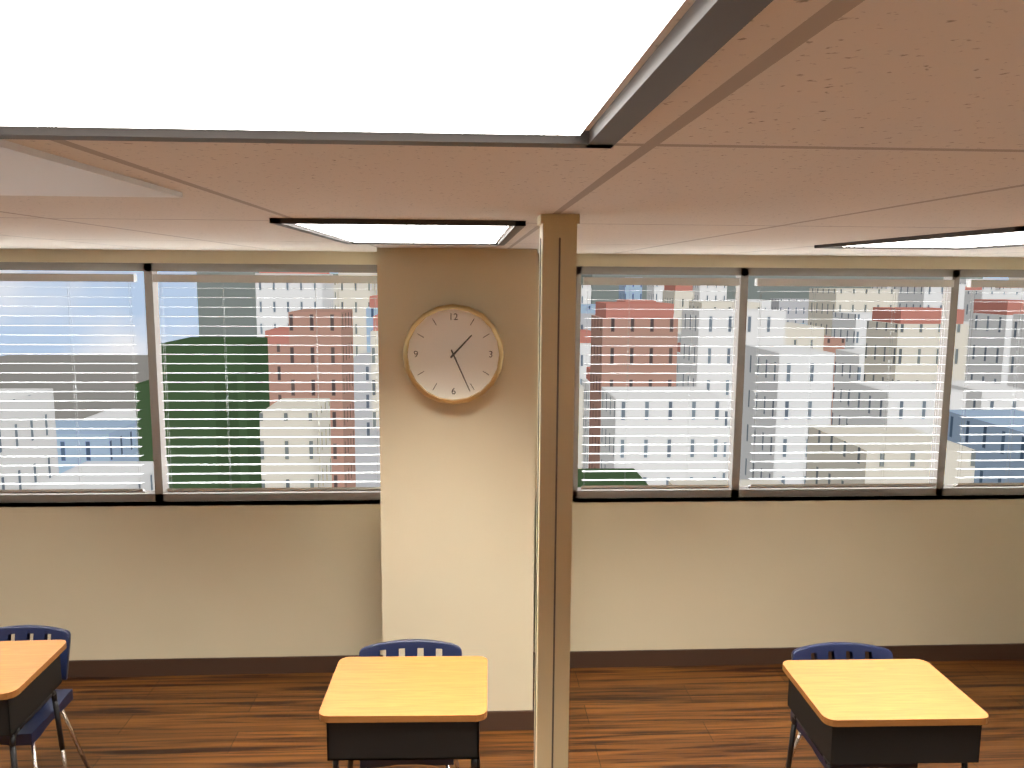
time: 1:26
